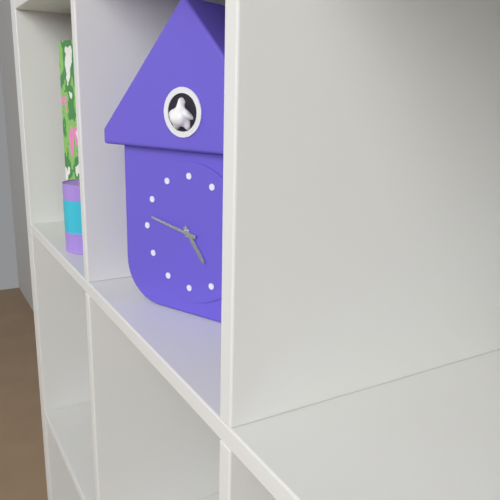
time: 4:47
